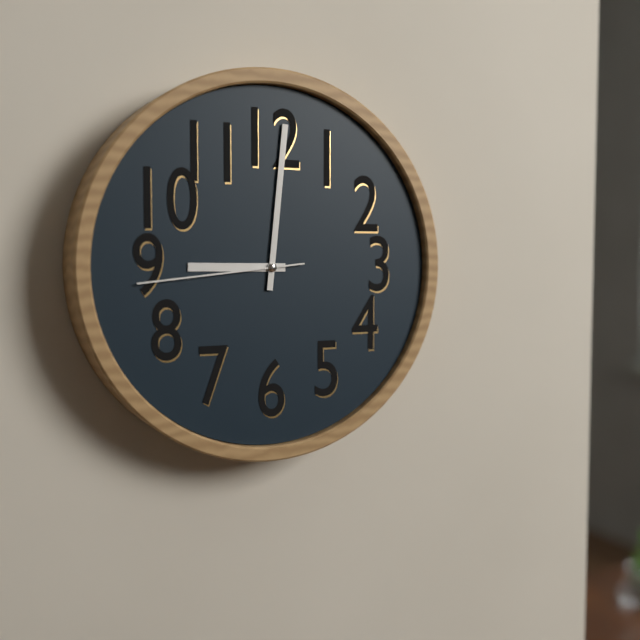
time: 9:01:44
